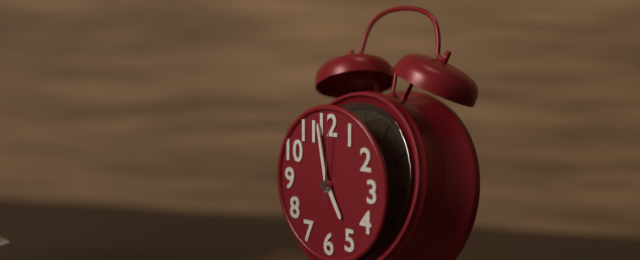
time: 4:58:01
